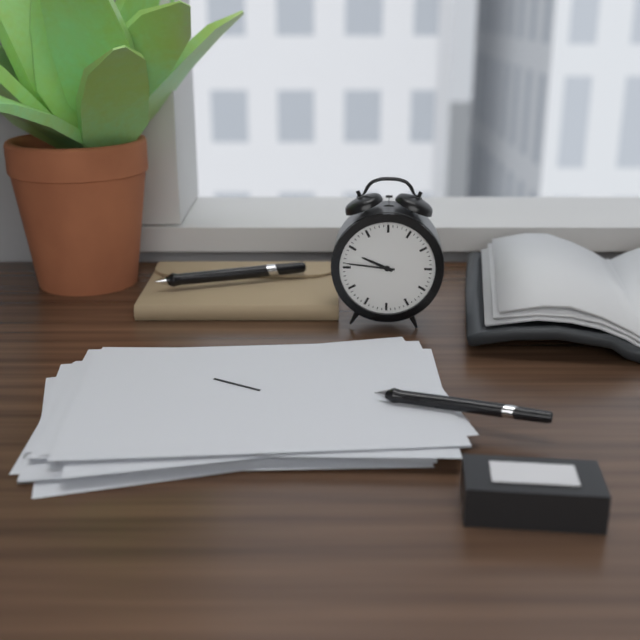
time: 9:46
